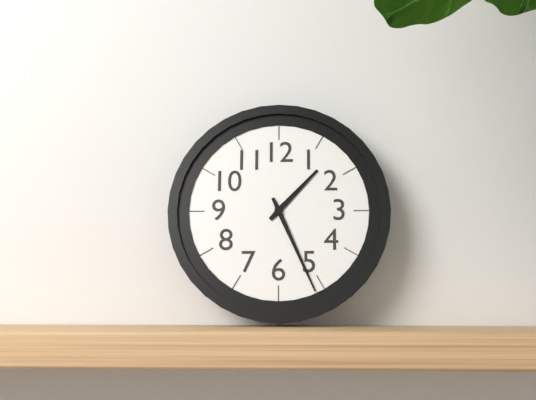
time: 1:26
